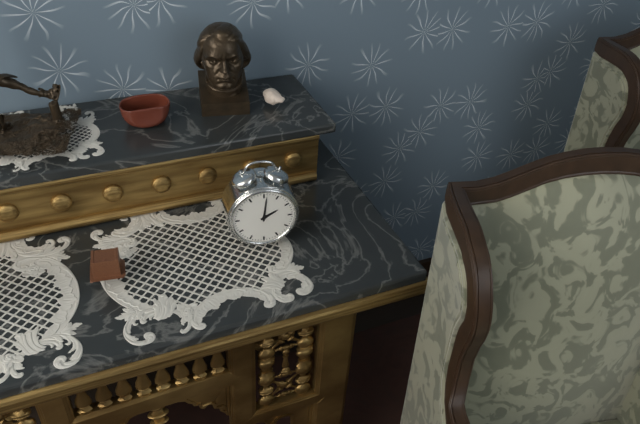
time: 2:01
